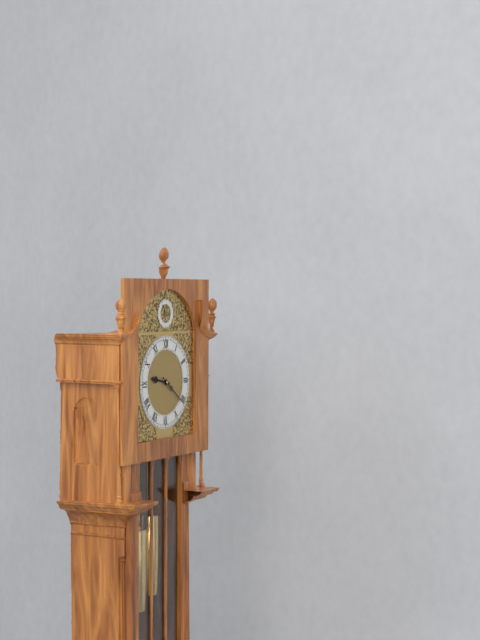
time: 9:21
